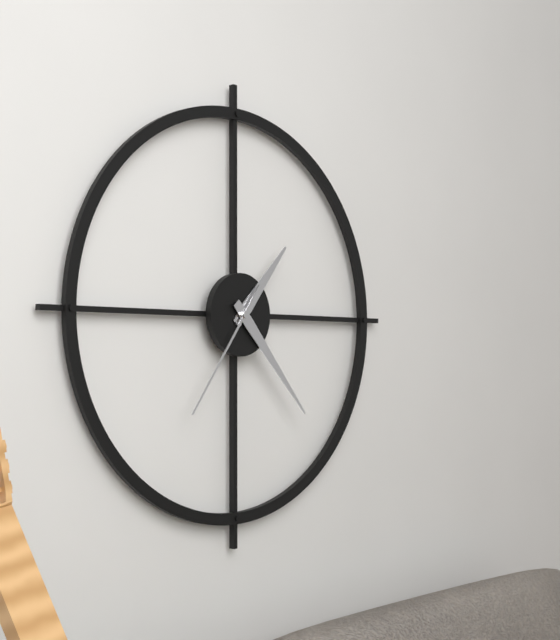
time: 1:23:36
